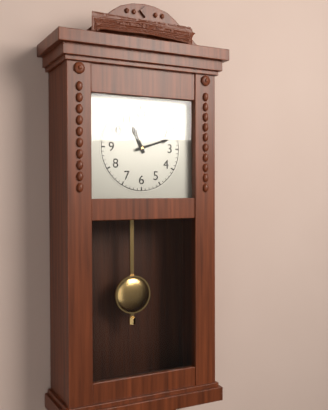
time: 11:12
